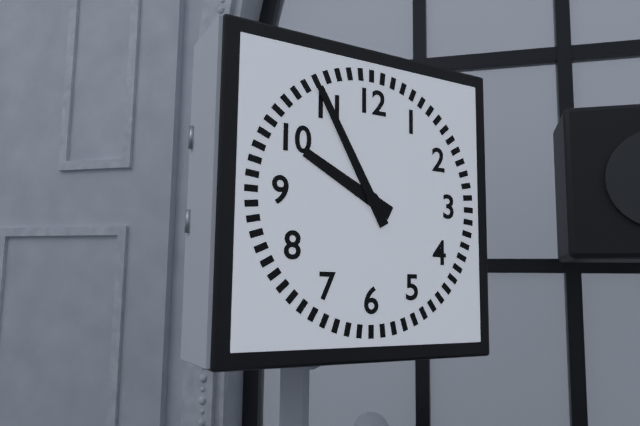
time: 9:55
